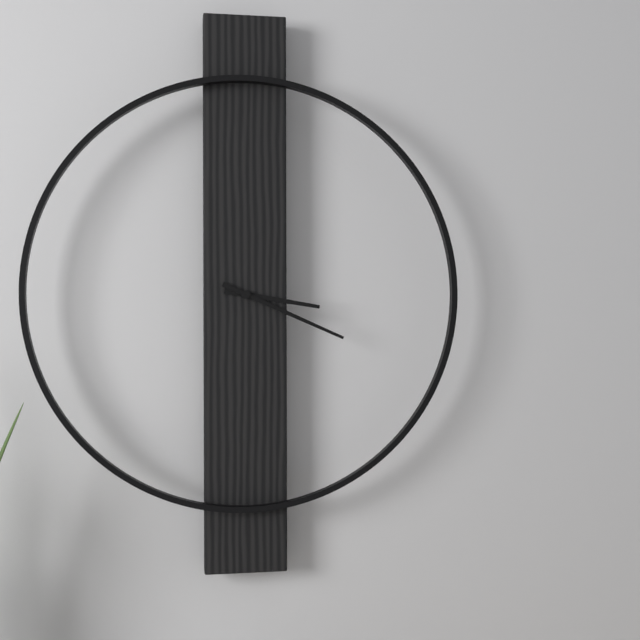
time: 3:19
